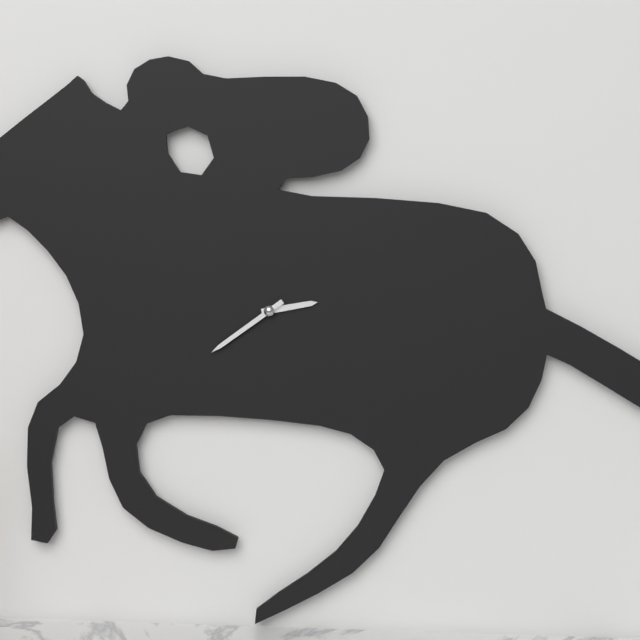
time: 2:39
